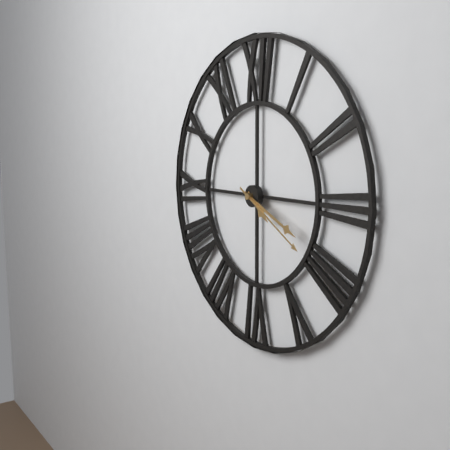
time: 4:19:20
